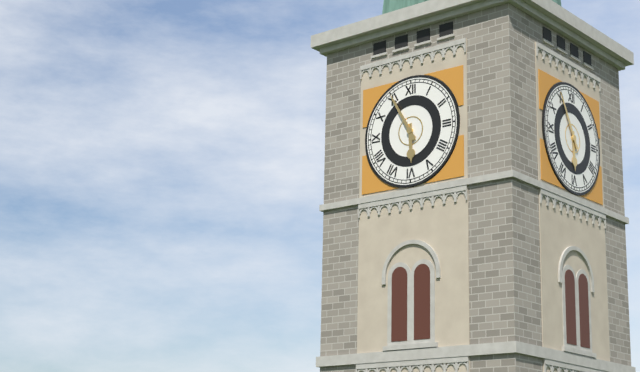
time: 5:55
